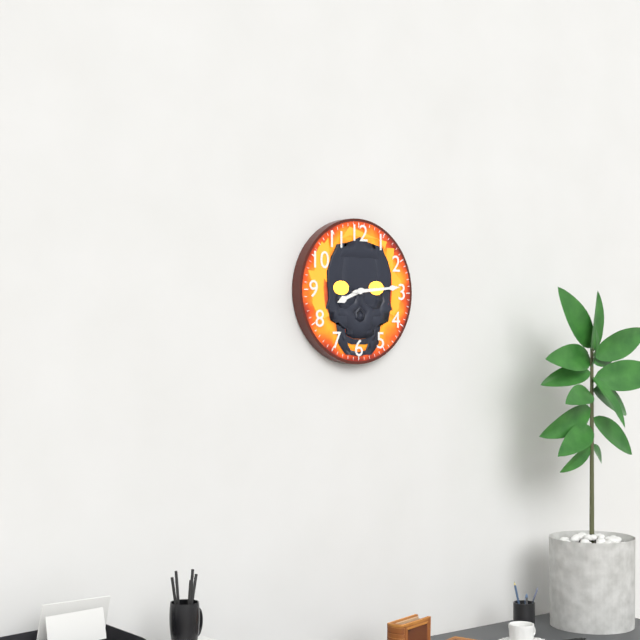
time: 8:14
